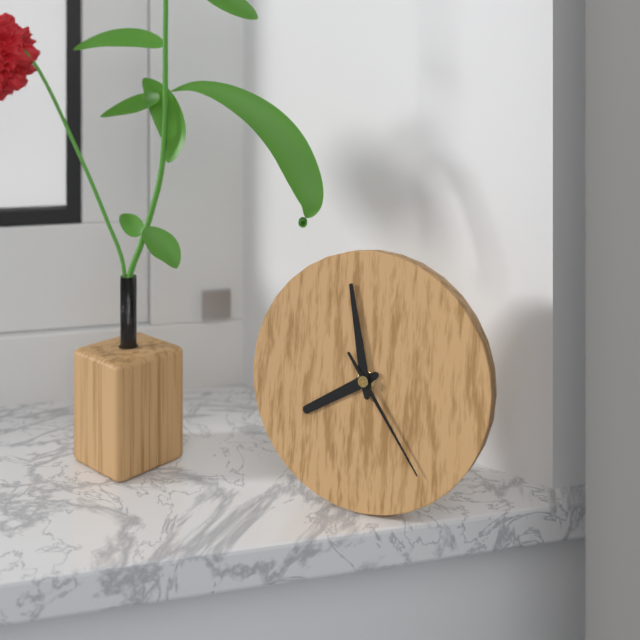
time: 7:58:24
